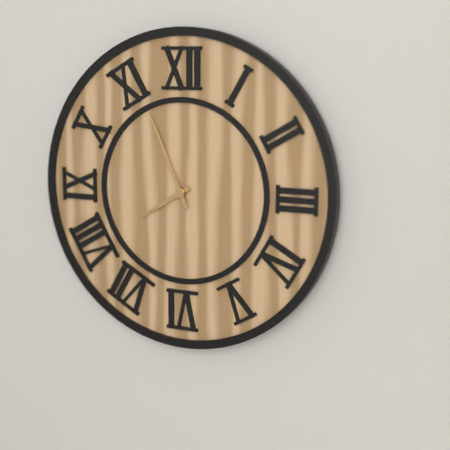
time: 7:56
